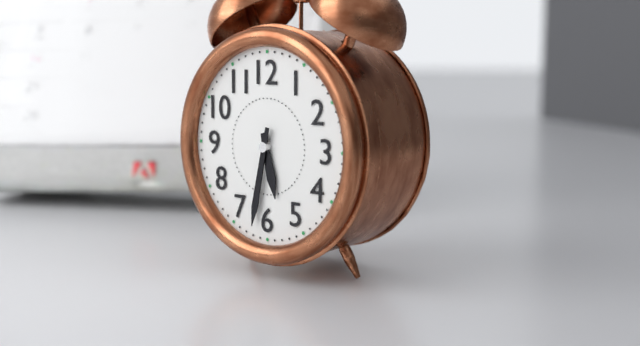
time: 5:32
